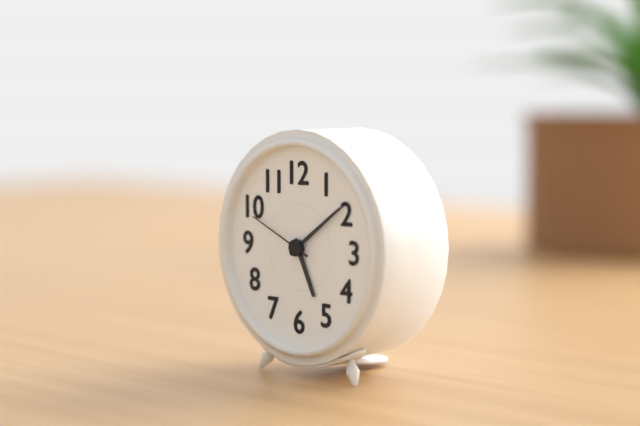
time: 5:09:49
